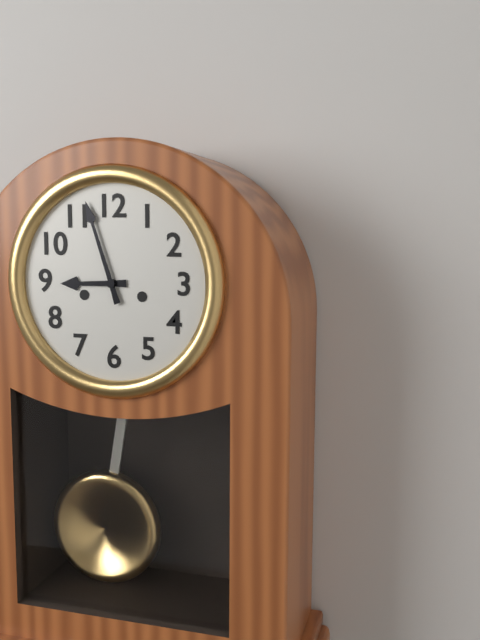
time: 8:57
